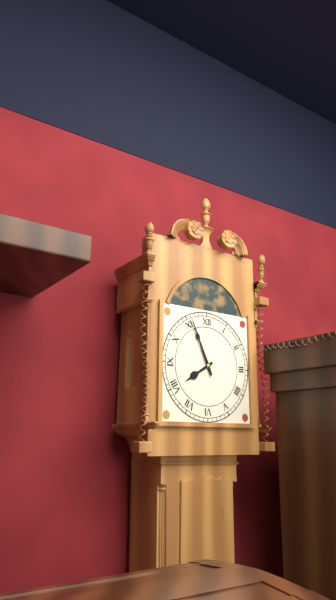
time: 7:56
